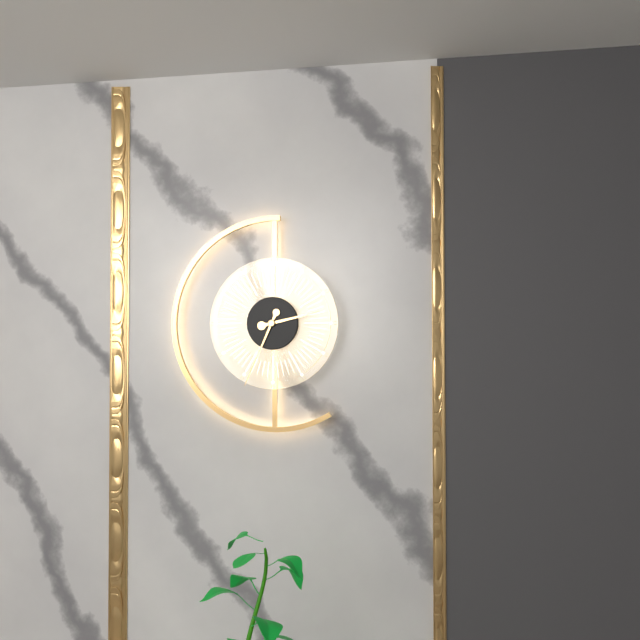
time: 2:34
